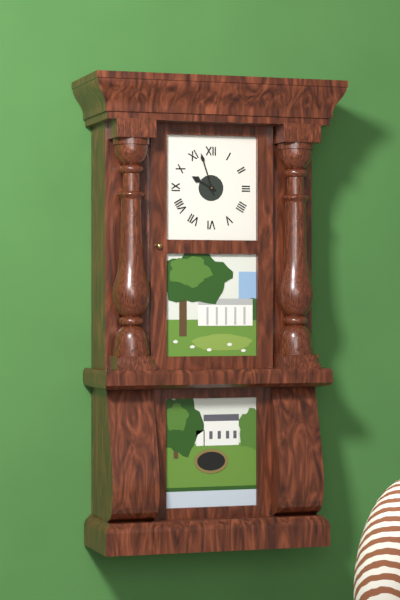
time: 9:57
